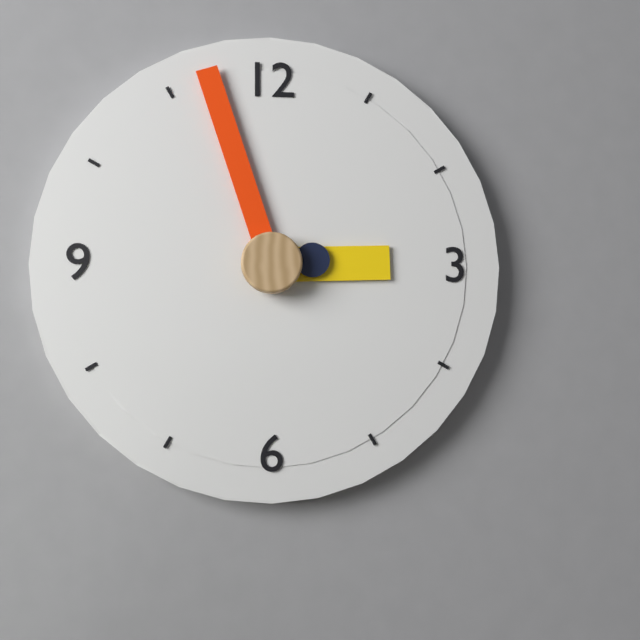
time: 2:57:14
